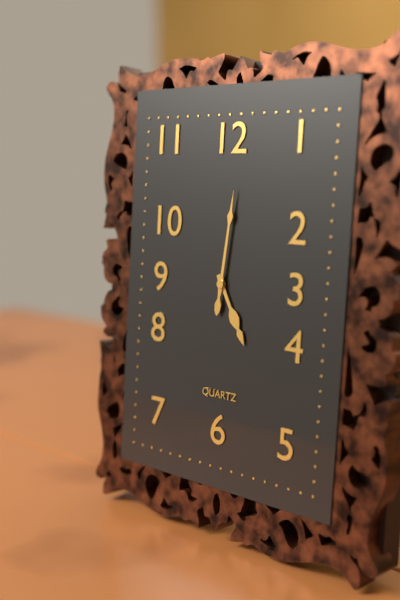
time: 5:01
